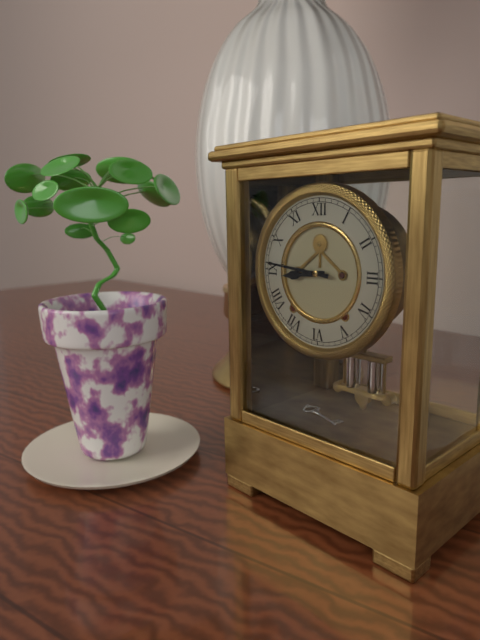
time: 8:46
